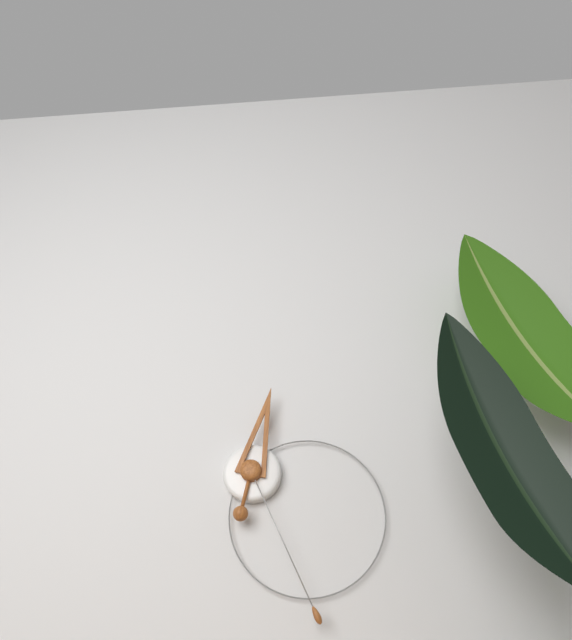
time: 12:26
